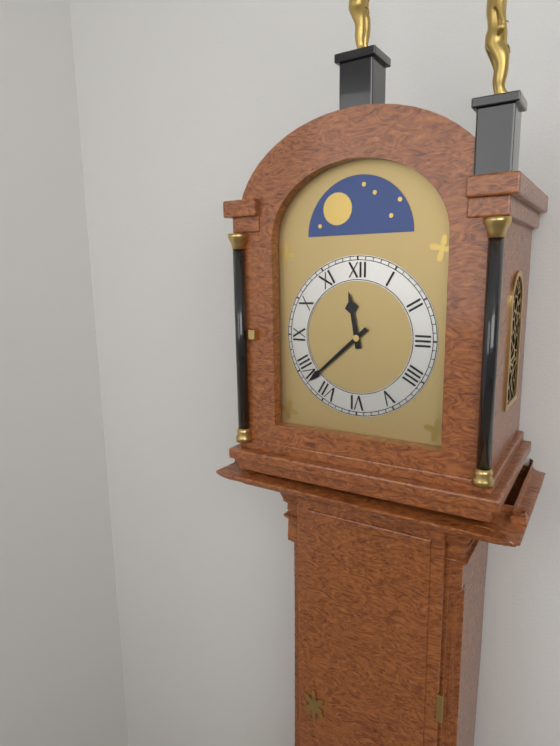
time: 11:38
